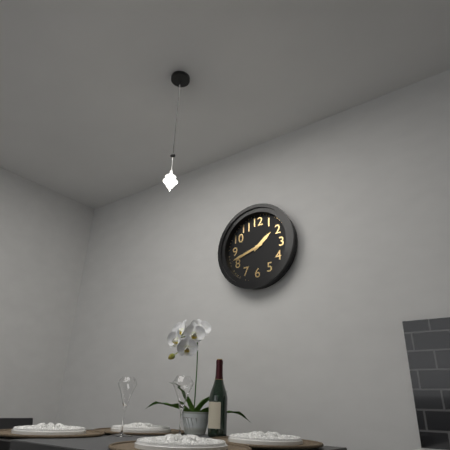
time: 1:42
